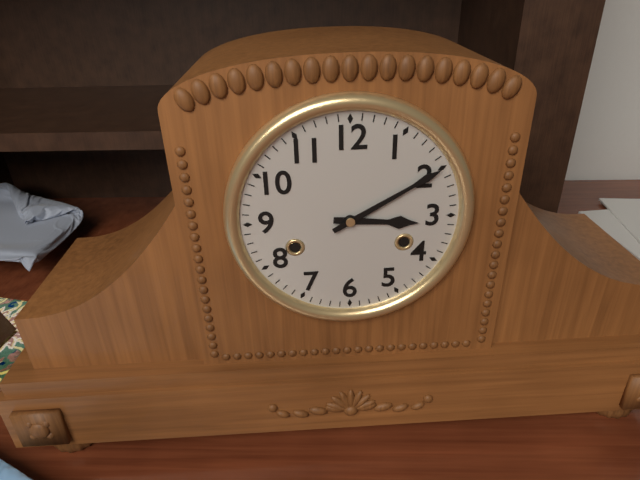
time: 3:10
